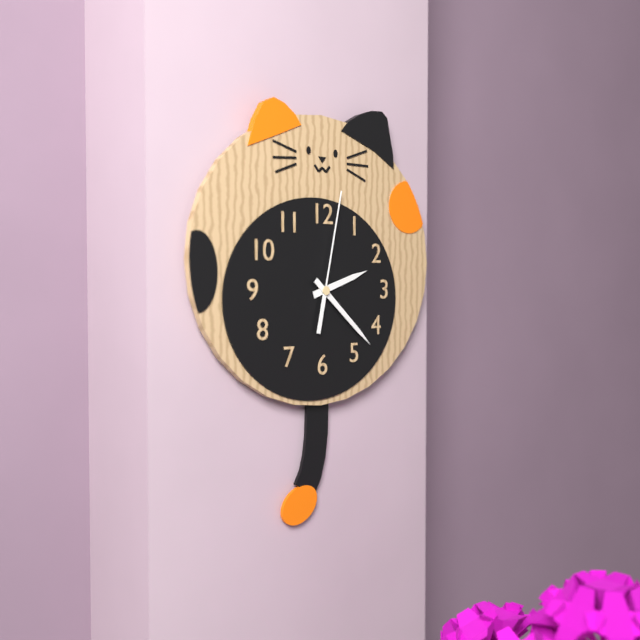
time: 2:22:02
